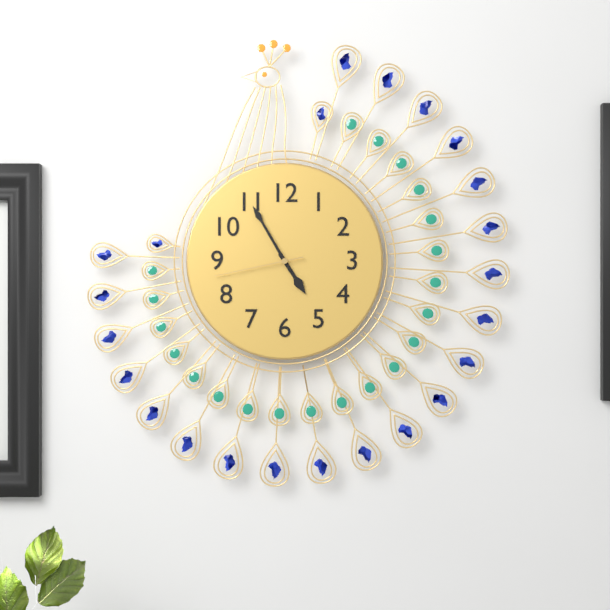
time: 4:55:43
